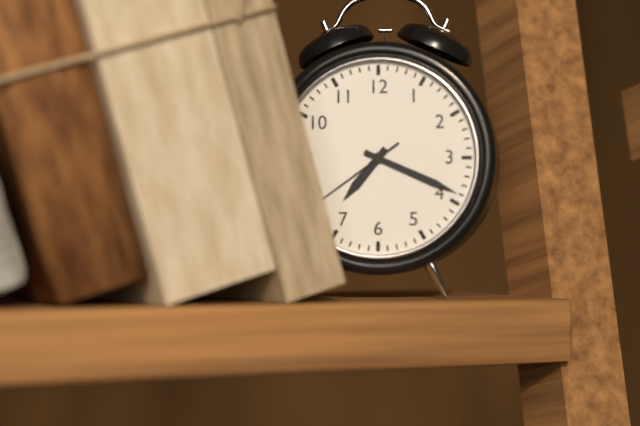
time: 7:19:39
